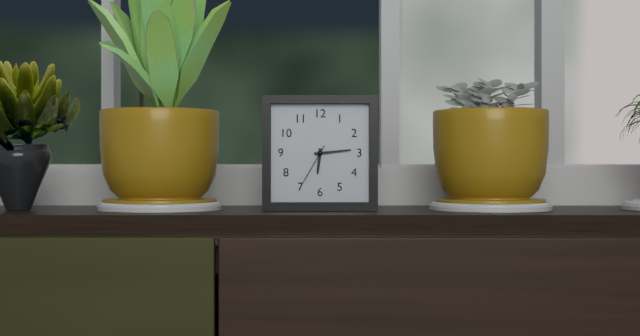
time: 6:14
